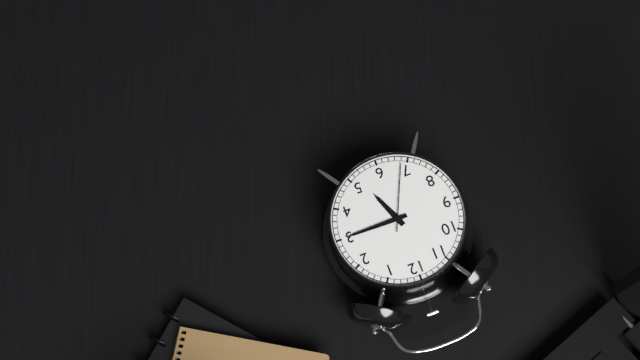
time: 5:15:34
